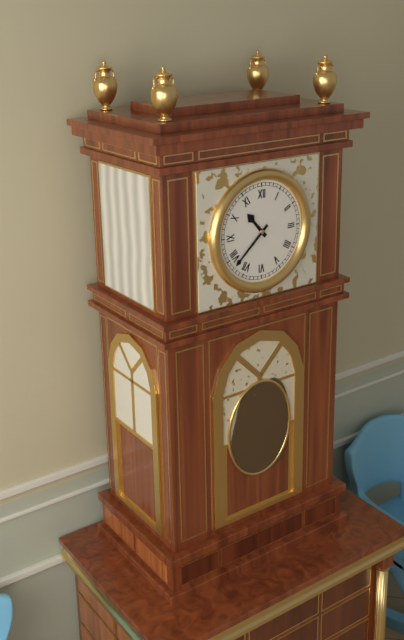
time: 10:38
